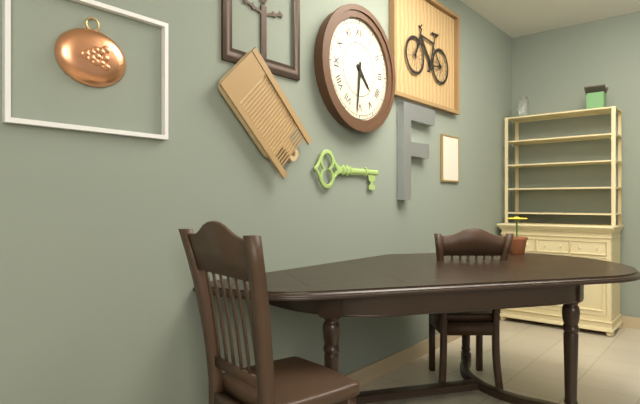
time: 4:31
